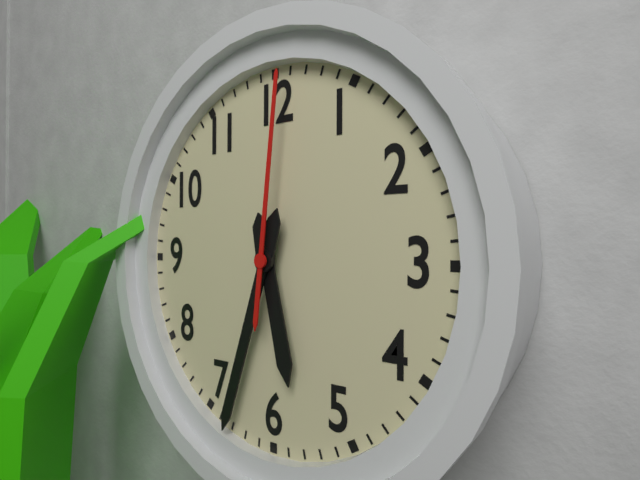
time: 5:33:01
